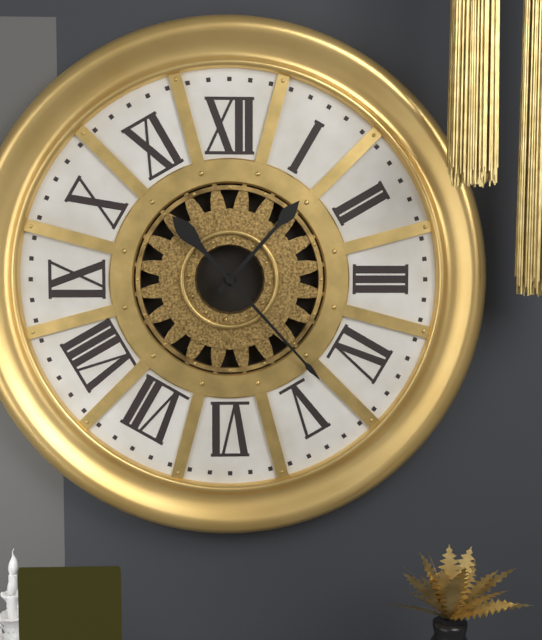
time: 1:23
